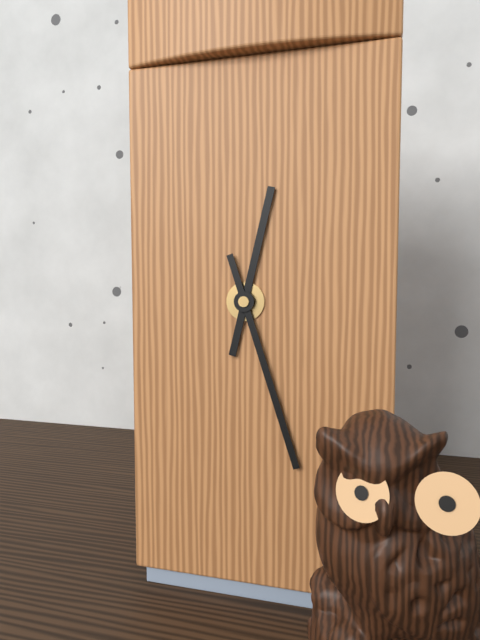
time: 12:27
